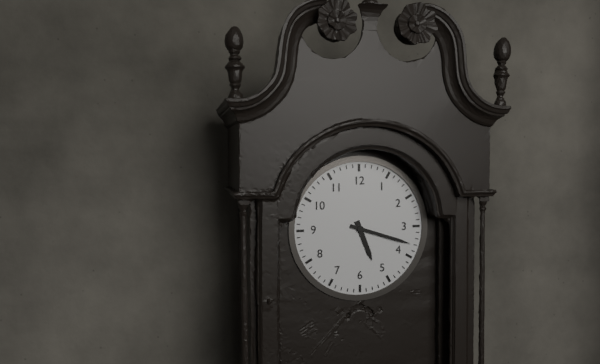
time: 5:18
